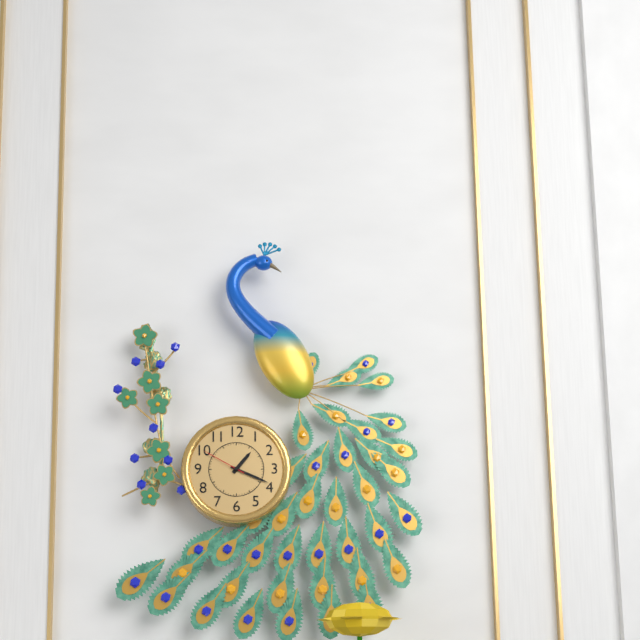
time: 1:19
